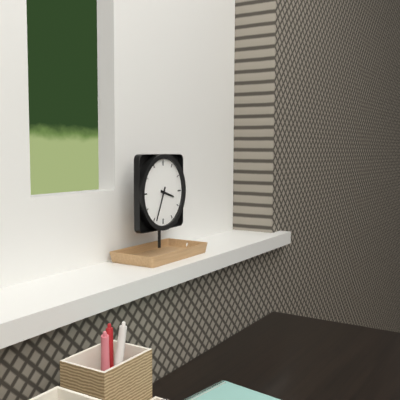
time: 3:34
